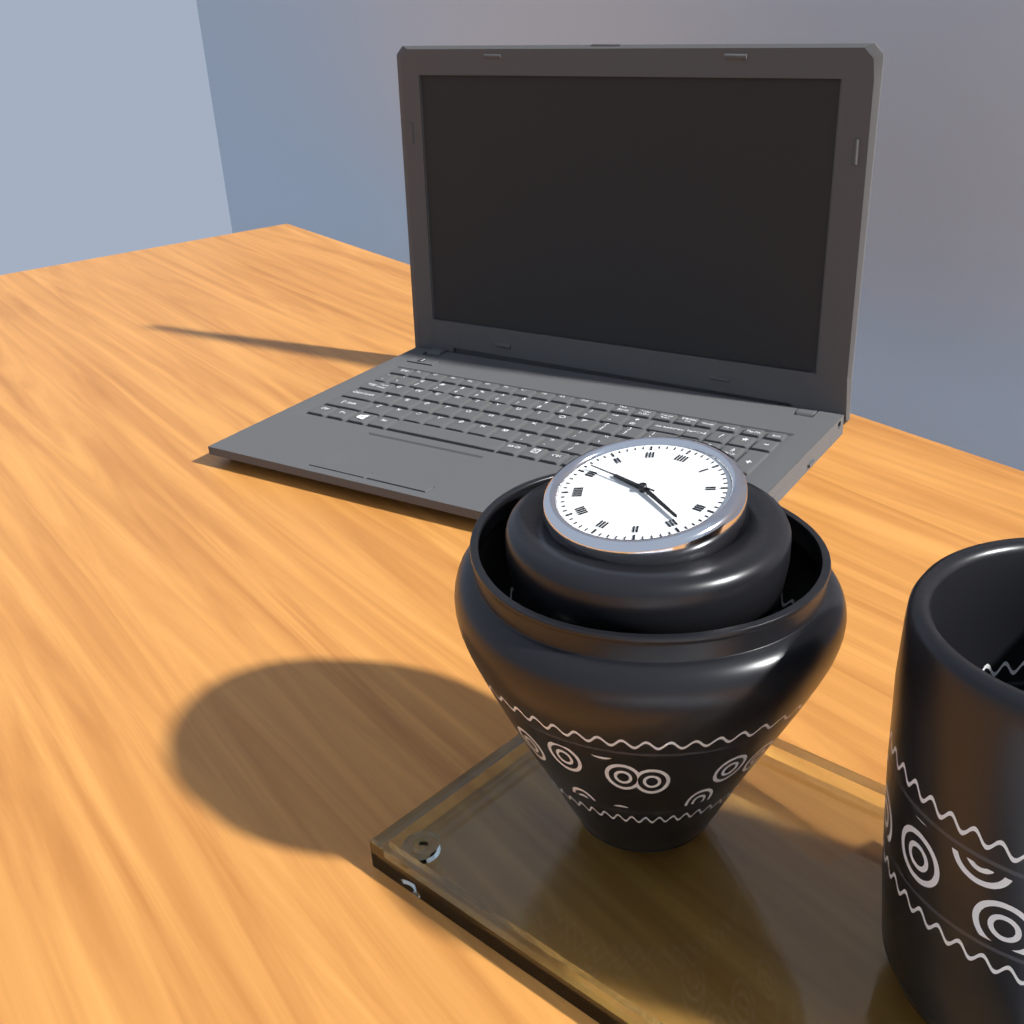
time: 9:19:46
